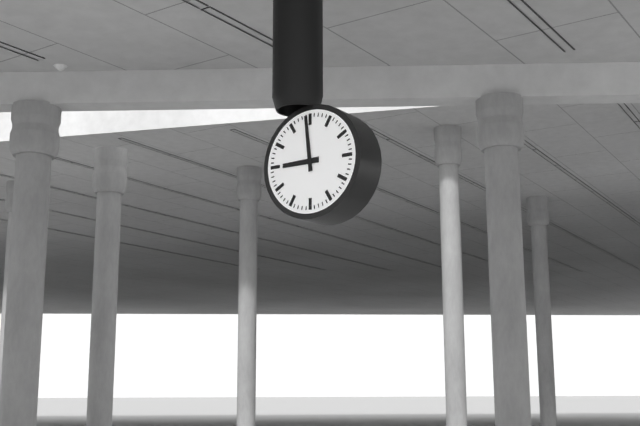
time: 8:59
